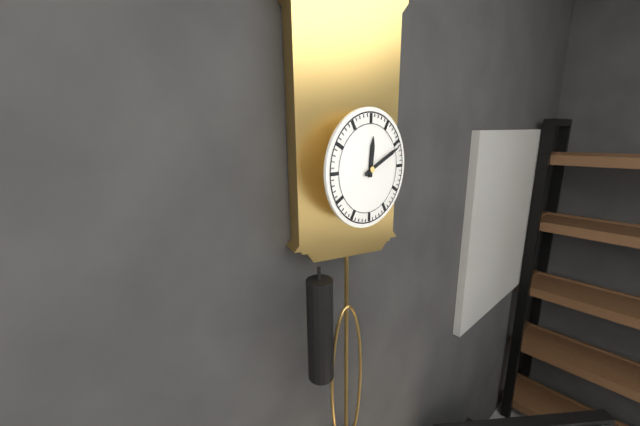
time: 12:11
